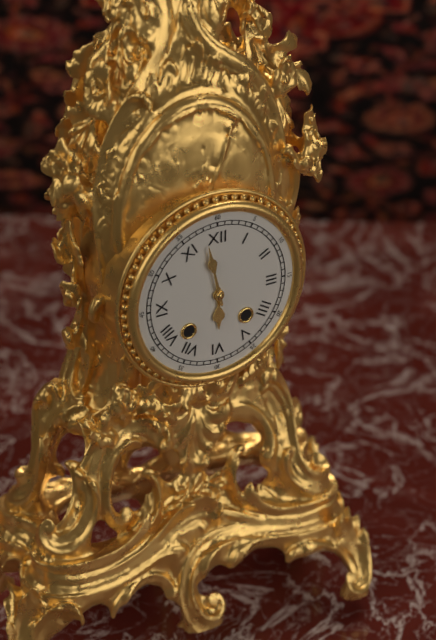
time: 5:58
